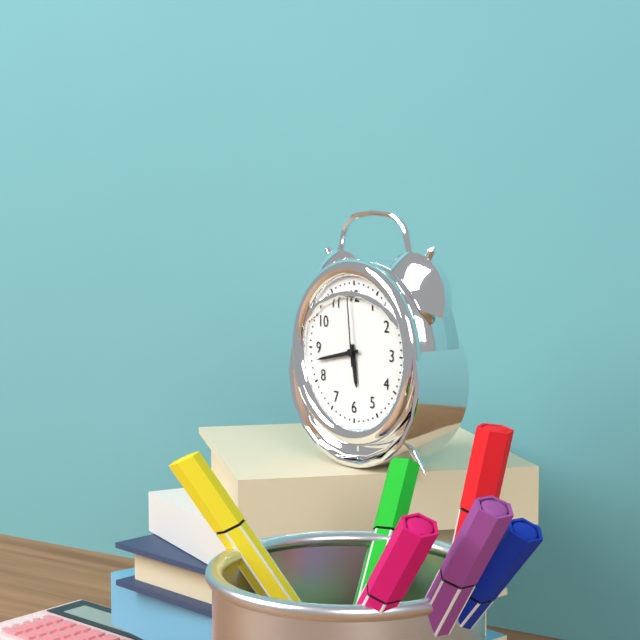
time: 5:43:59
